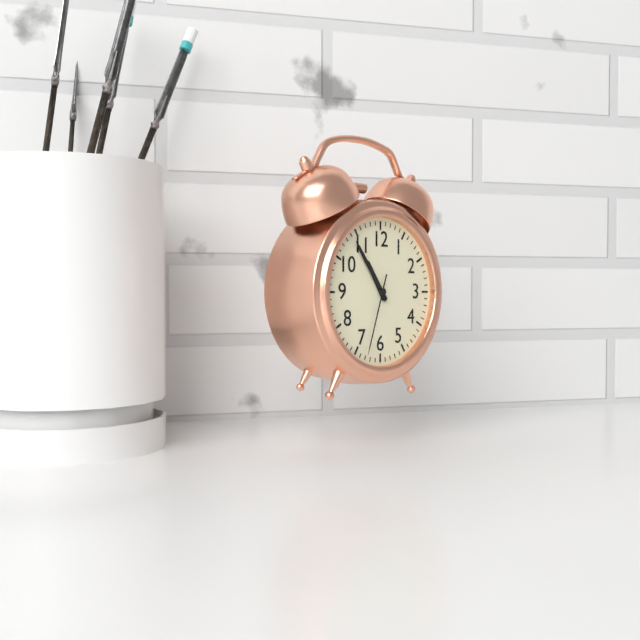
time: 10:54:33
